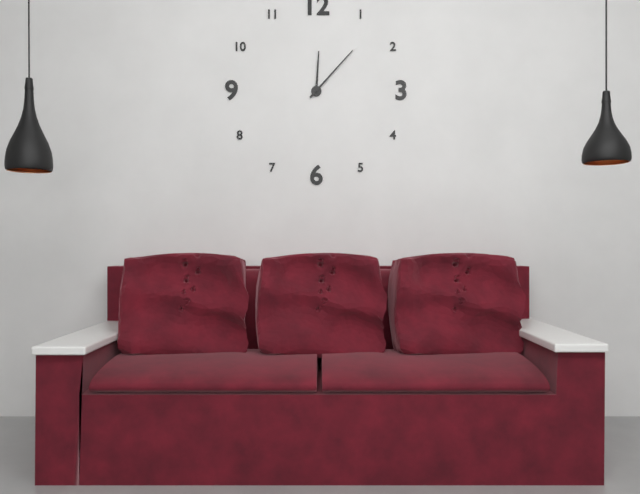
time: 12:07
